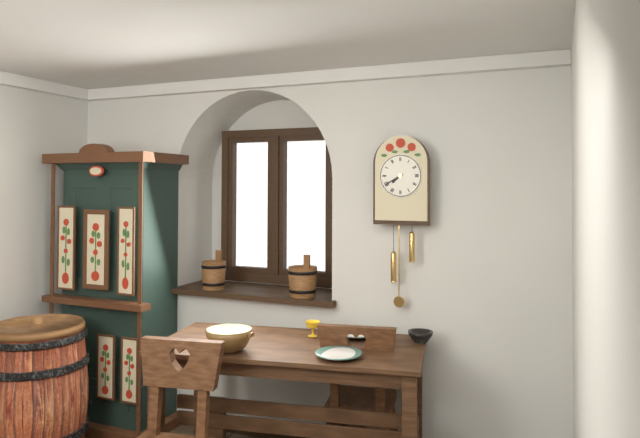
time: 7:40
